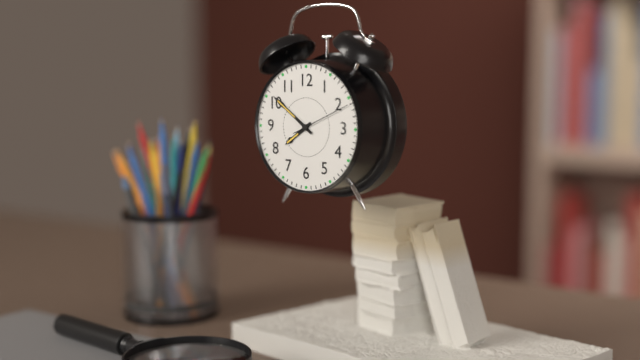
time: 7:51:11
